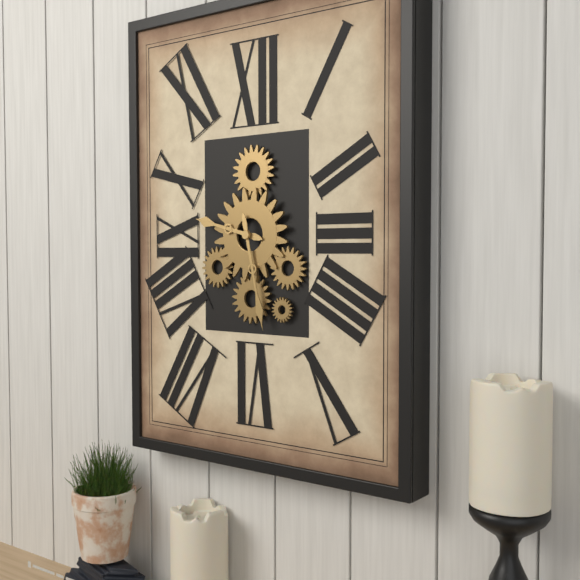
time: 9:28
